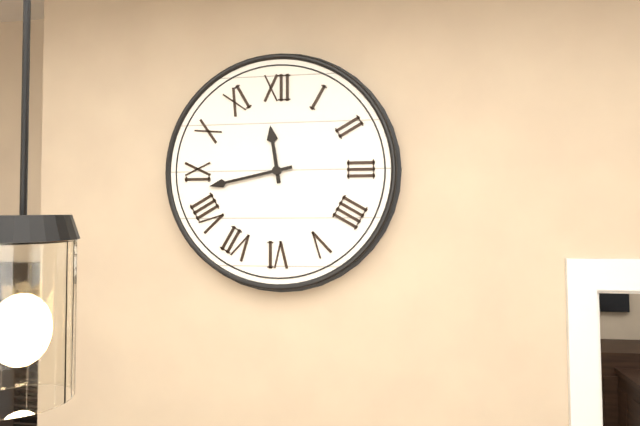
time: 11:43
